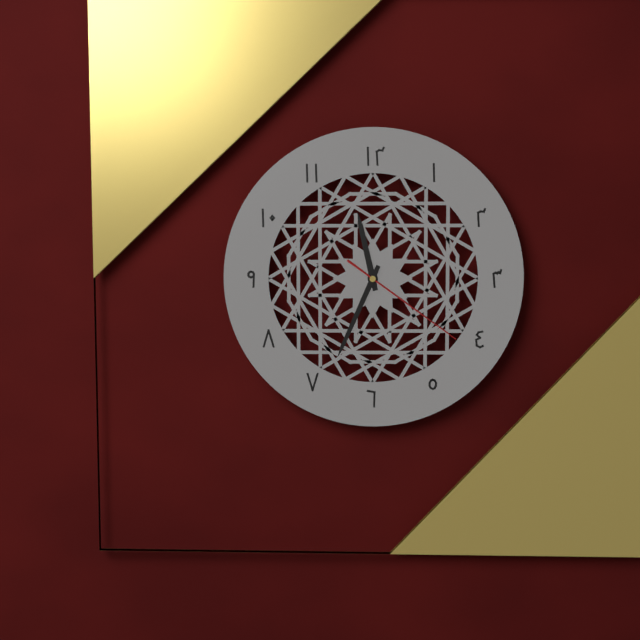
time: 11:34:21
